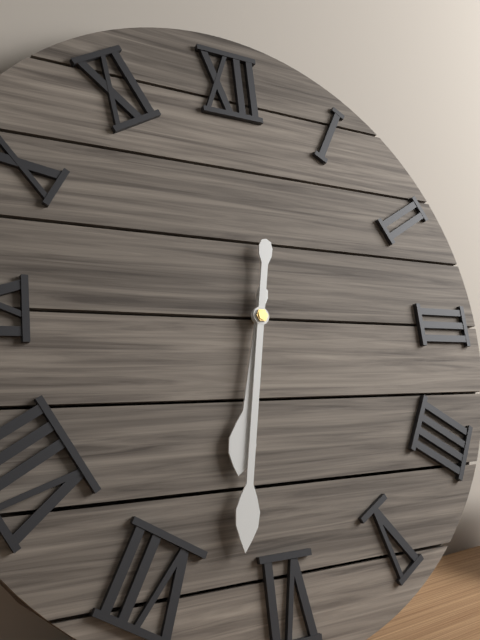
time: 6:32
